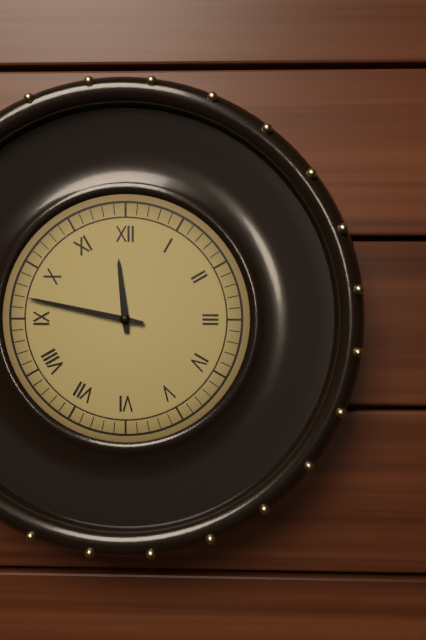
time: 11:47
